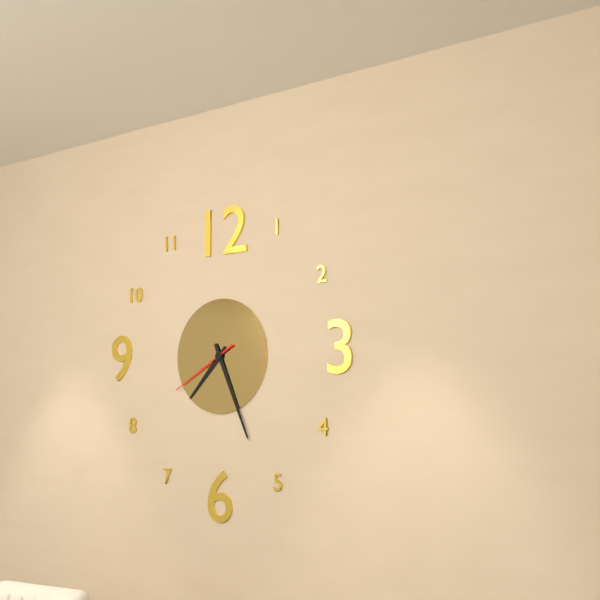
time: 7:26:40
